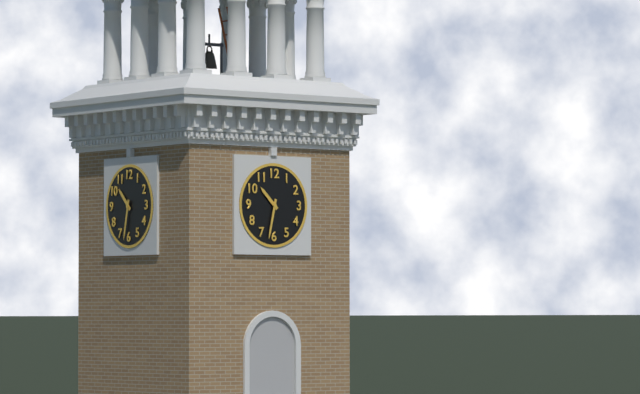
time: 10:32
